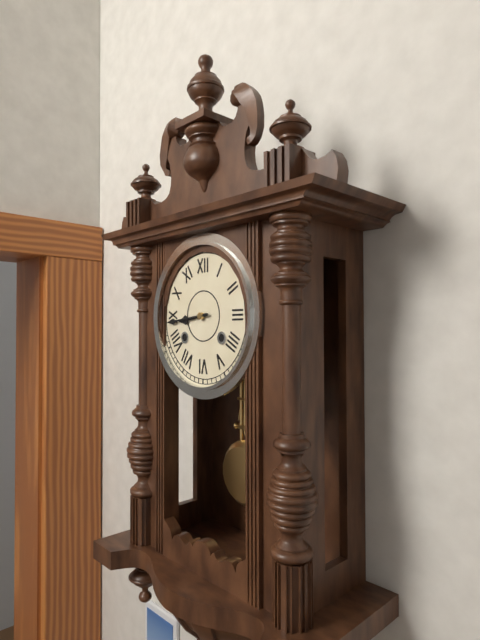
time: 8:44
